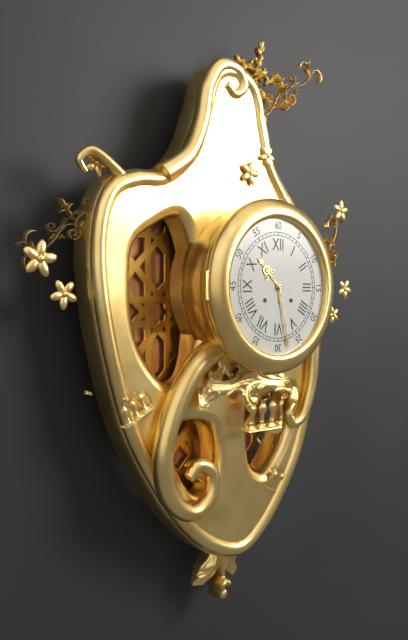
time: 10:28
